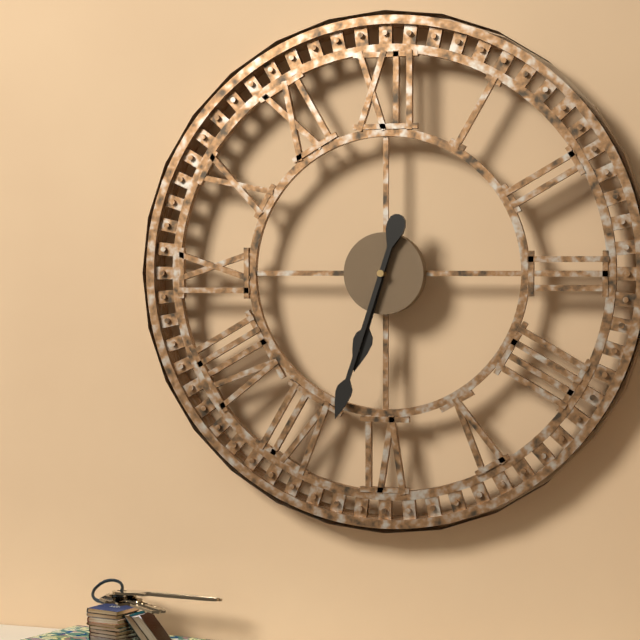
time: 6:33
